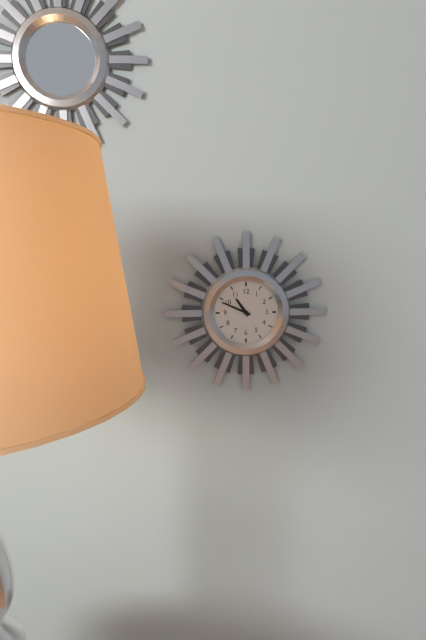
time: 10:49
